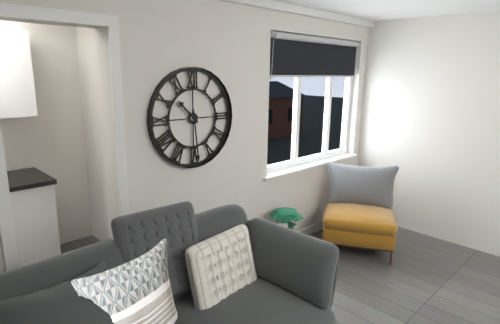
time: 10:29
